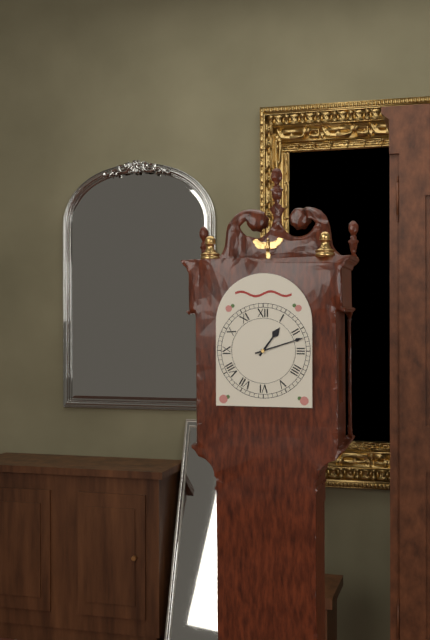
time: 1:12
